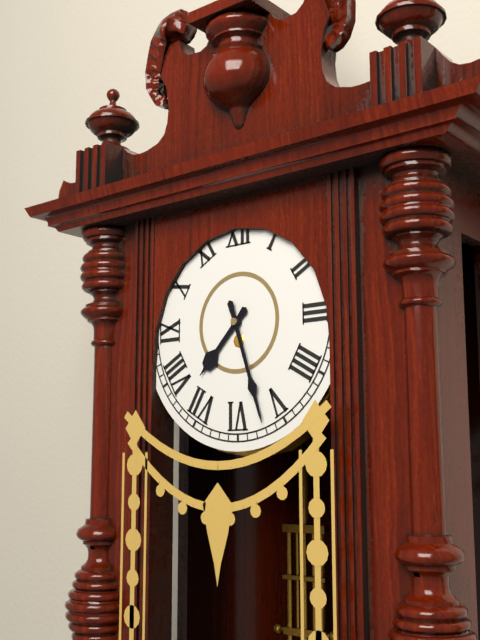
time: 7:27
